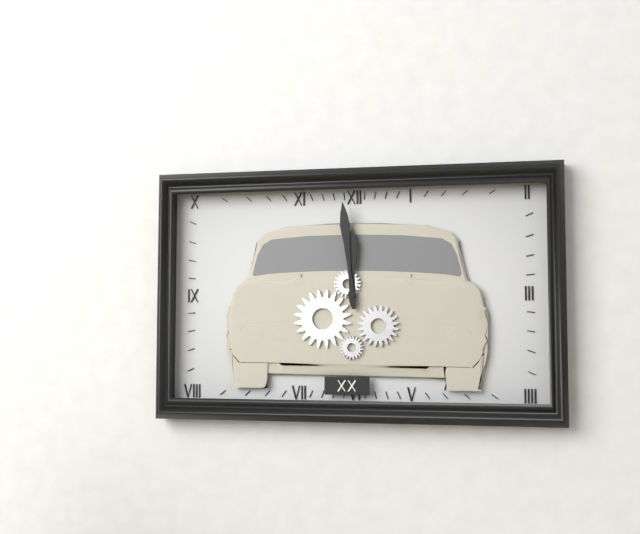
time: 11:59
